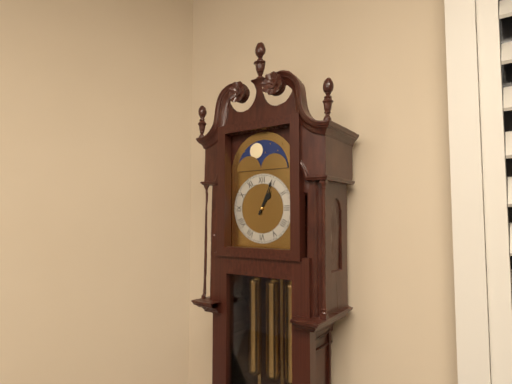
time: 1:04
